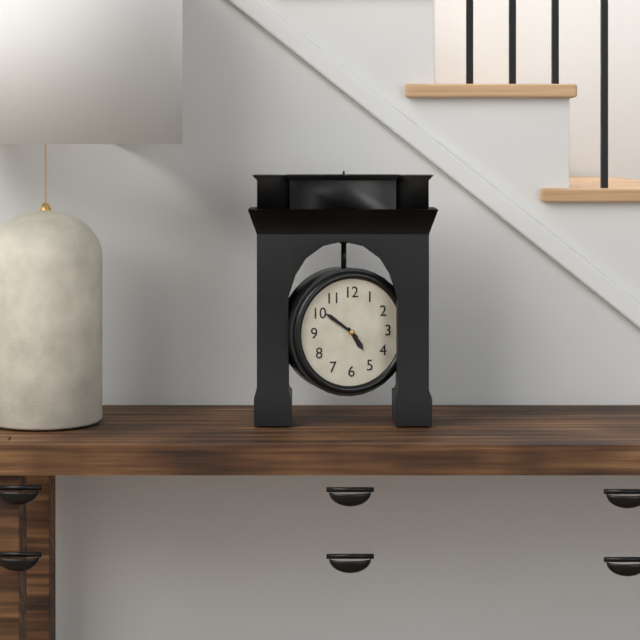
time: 4:51
